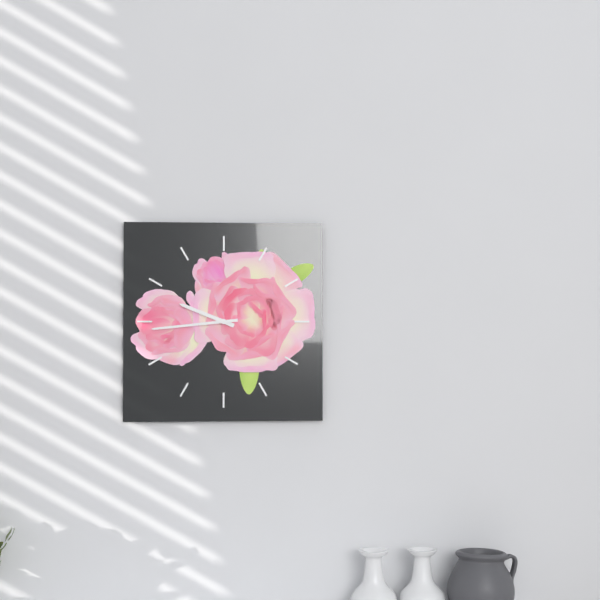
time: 9:44
